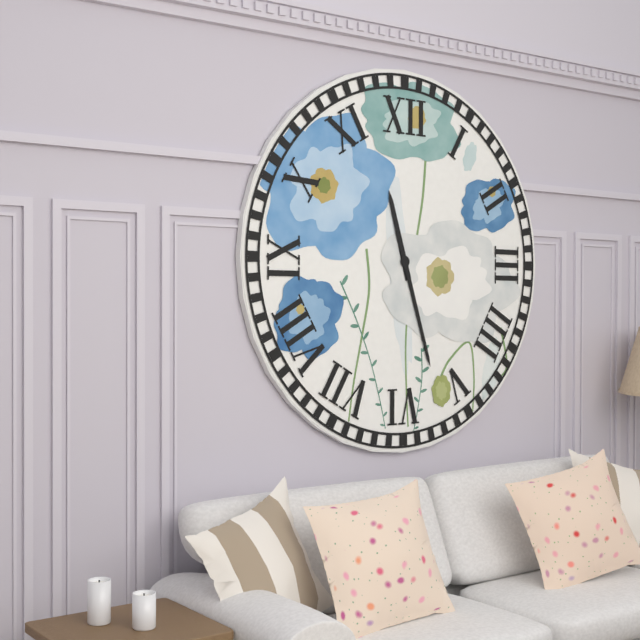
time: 11:27
